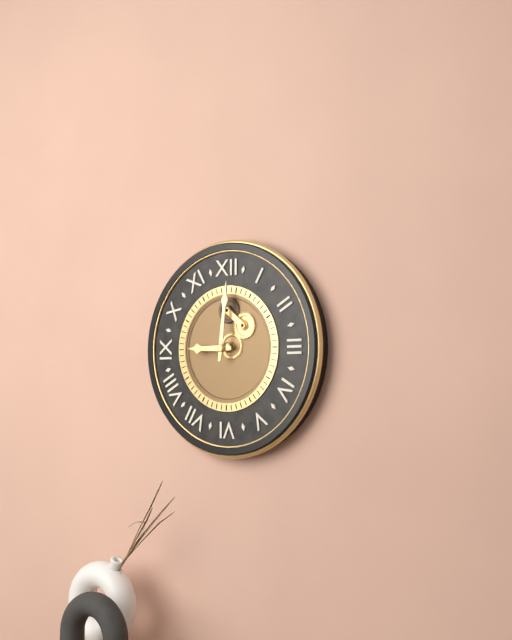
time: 9:01
